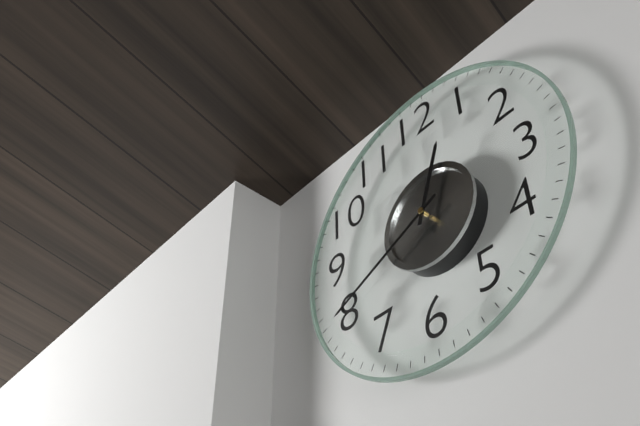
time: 12:41
